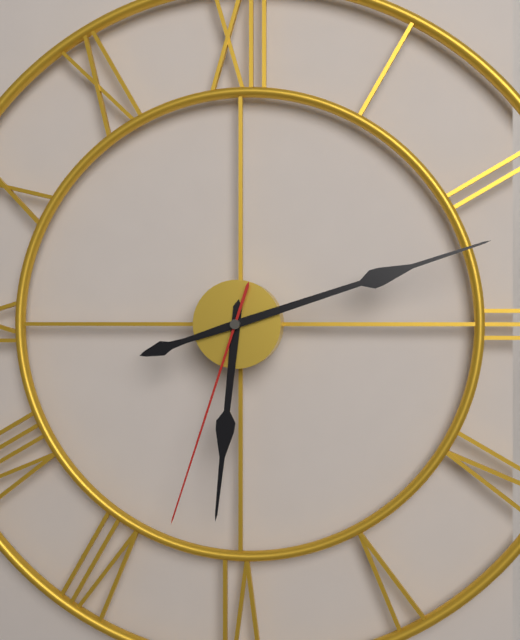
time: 6:12:33
